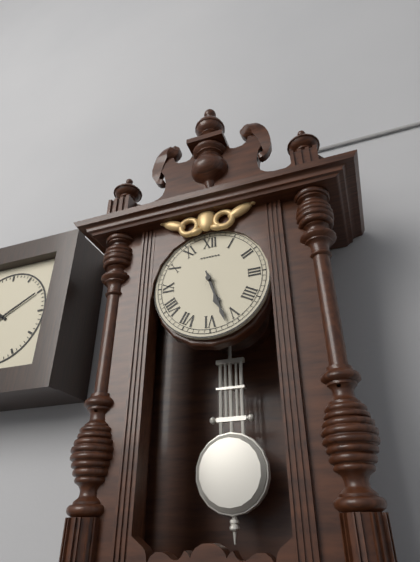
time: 5:27
